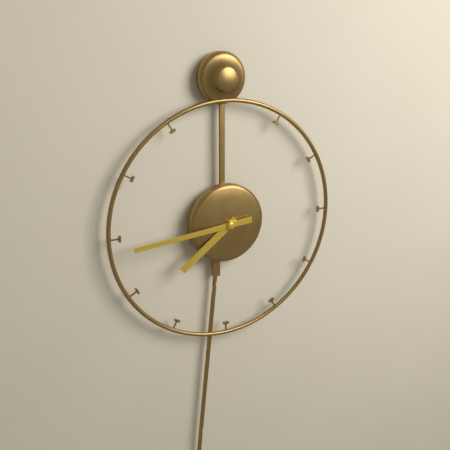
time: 7:44
